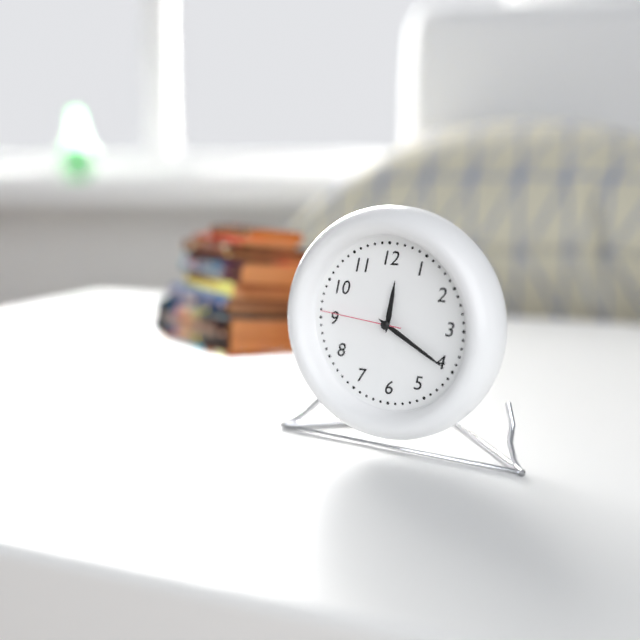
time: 12:20:46
